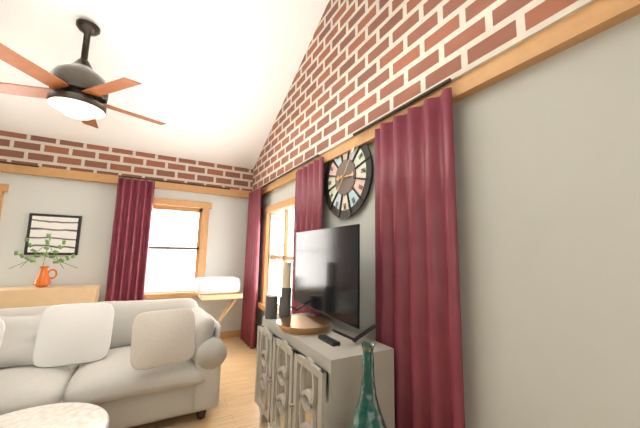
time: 3:06
